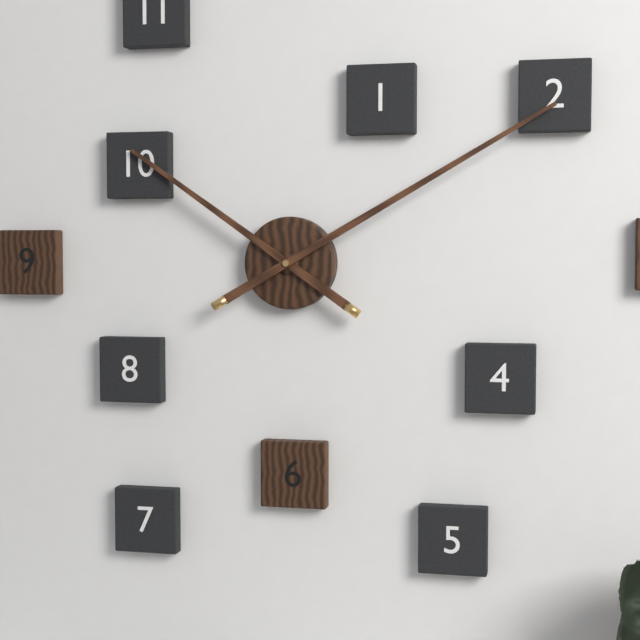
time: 10:10
